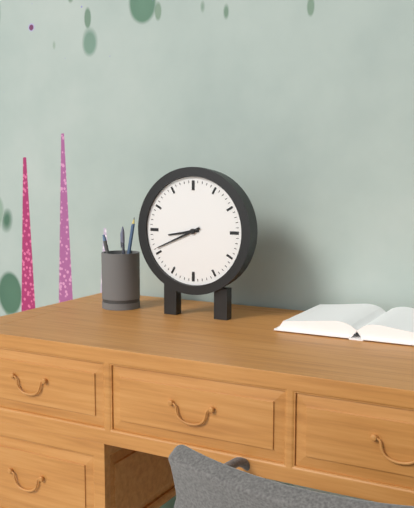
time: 8:41
